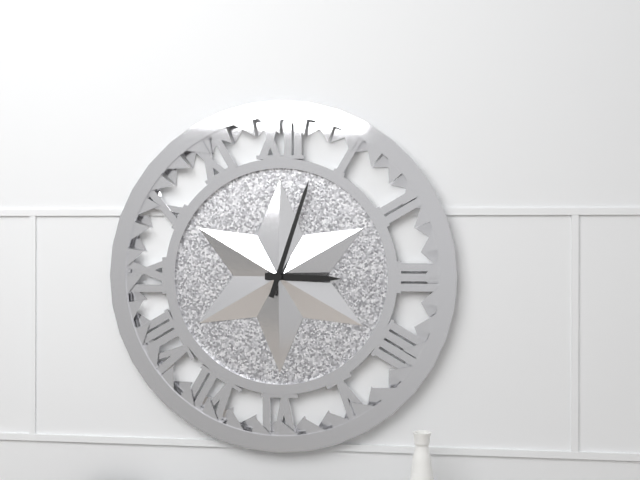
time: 3:03
